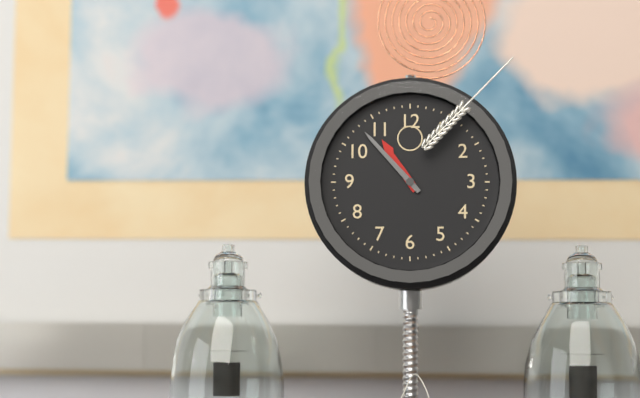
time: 10:53
